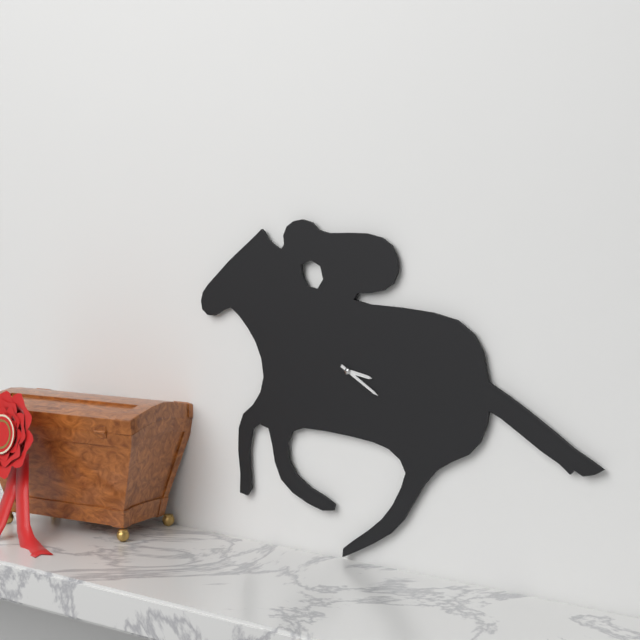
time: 3:20
